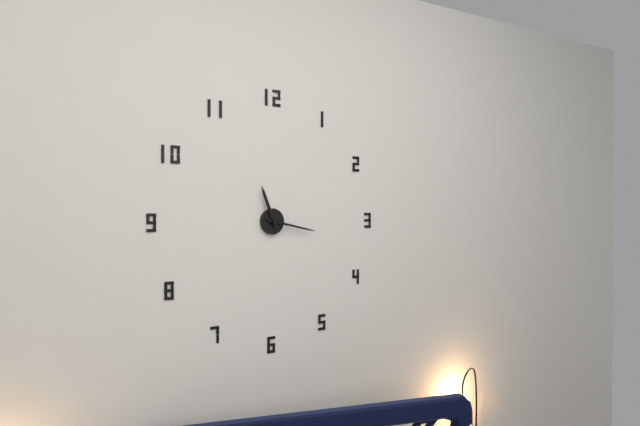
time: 11:17
